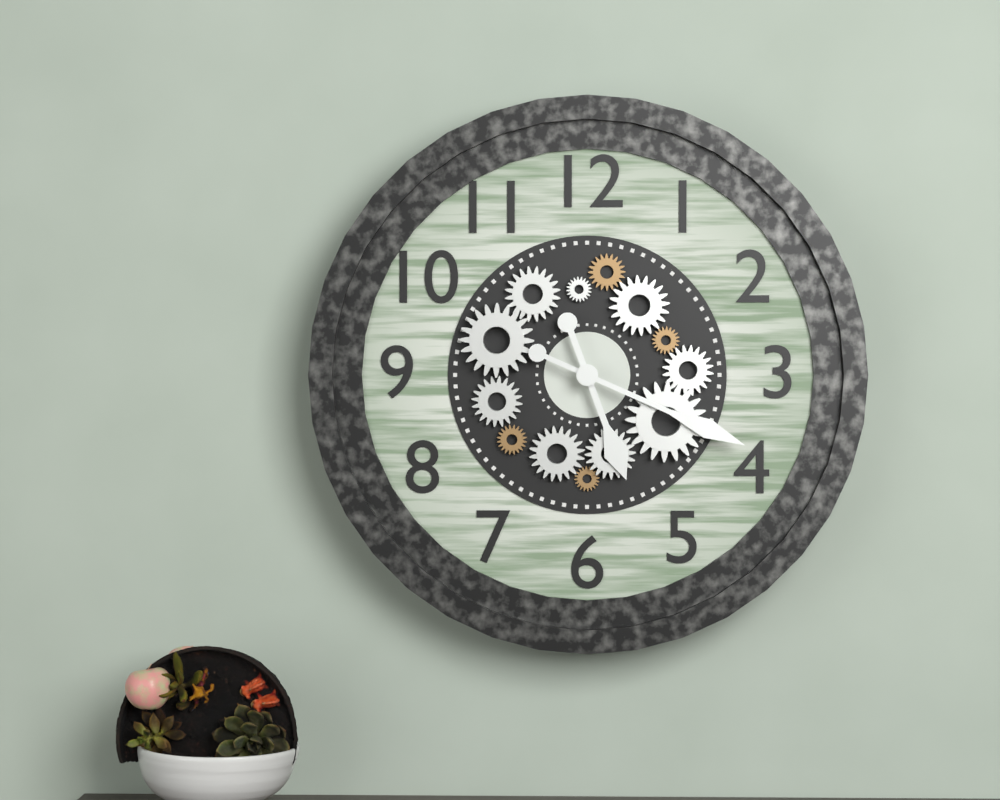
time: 5:19
